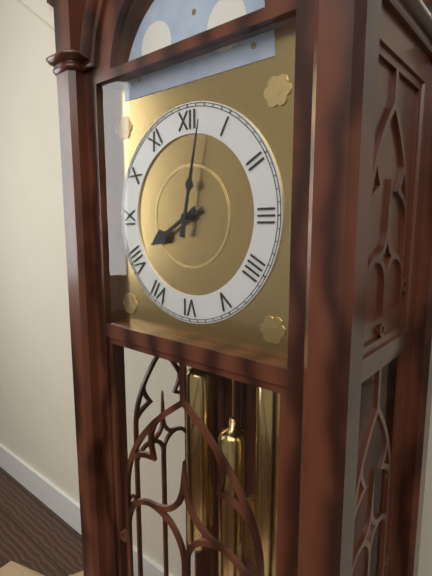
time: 8:02
